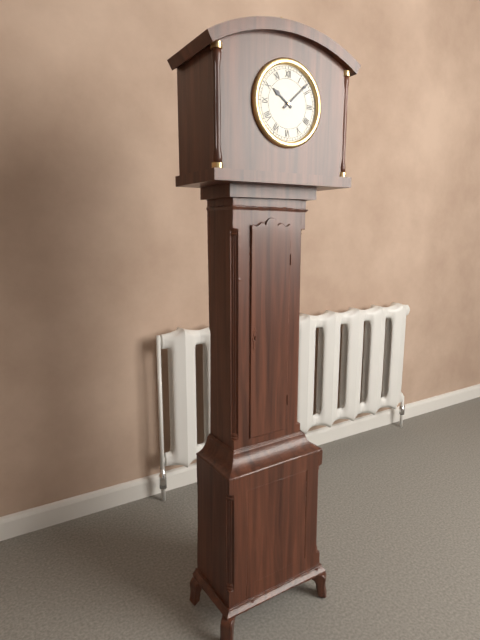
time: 10:08
